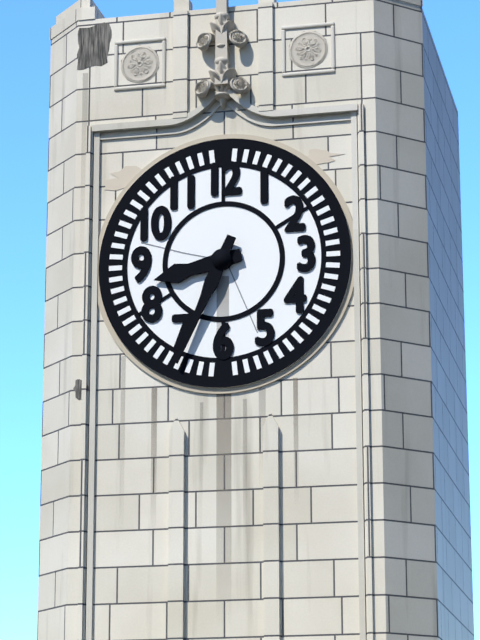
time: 8:34
